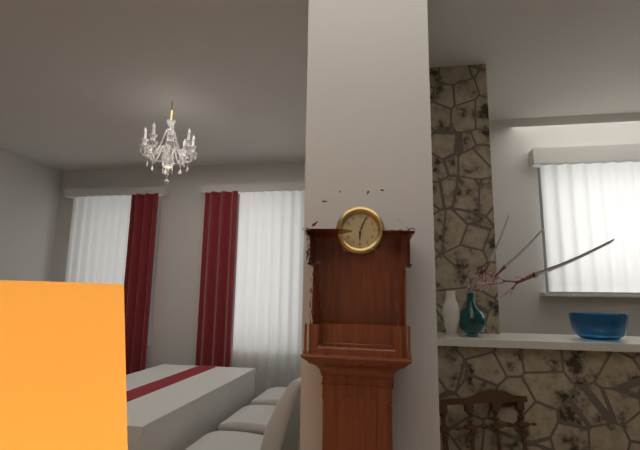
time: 6:04
